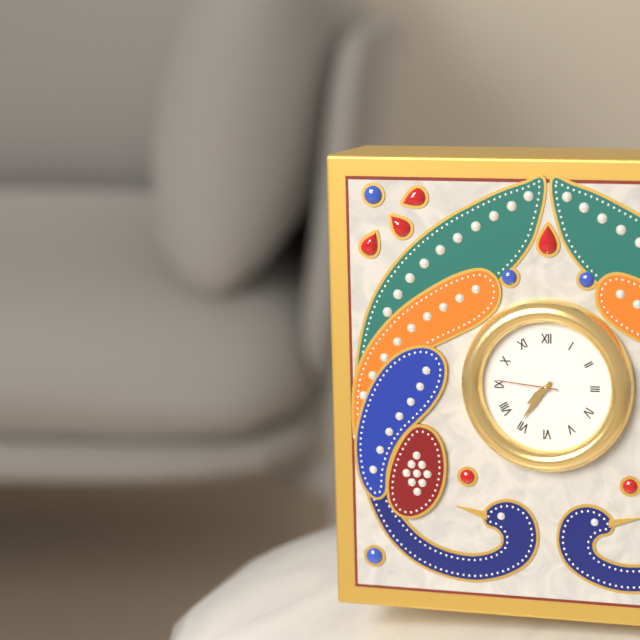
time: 7:36:46
